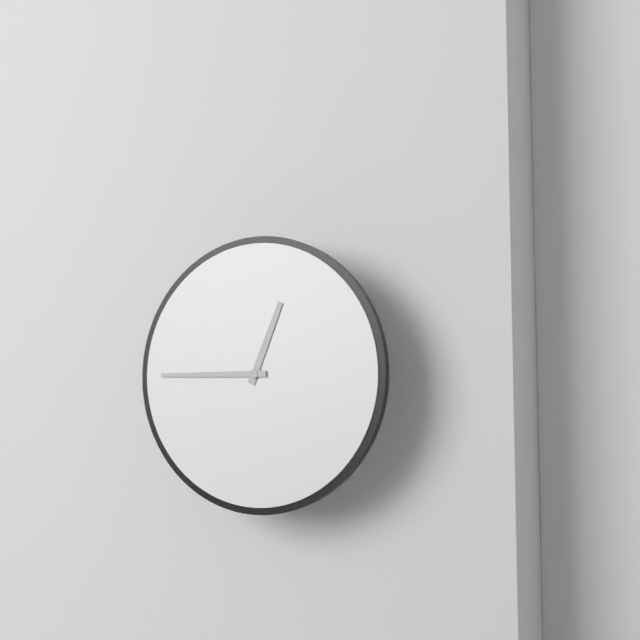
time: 12:45
